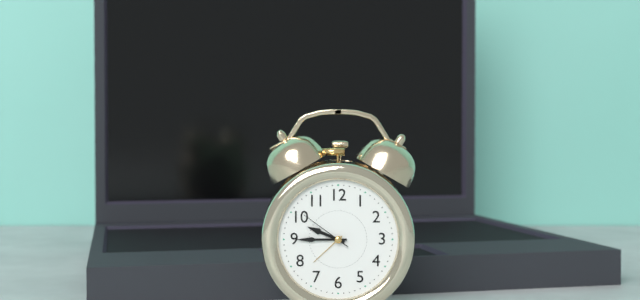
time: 9:45:51
